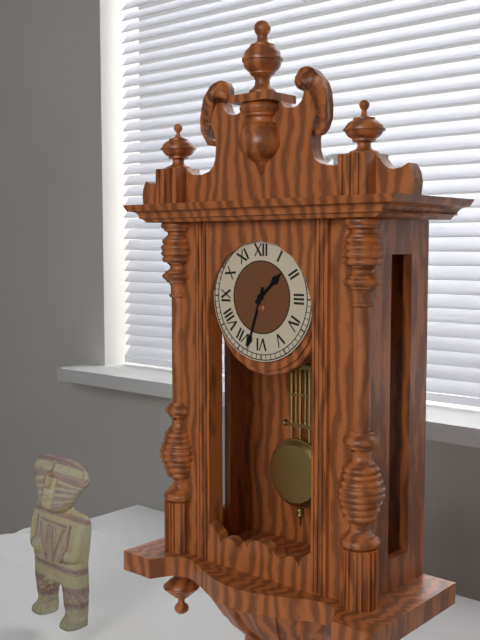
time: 1:33
